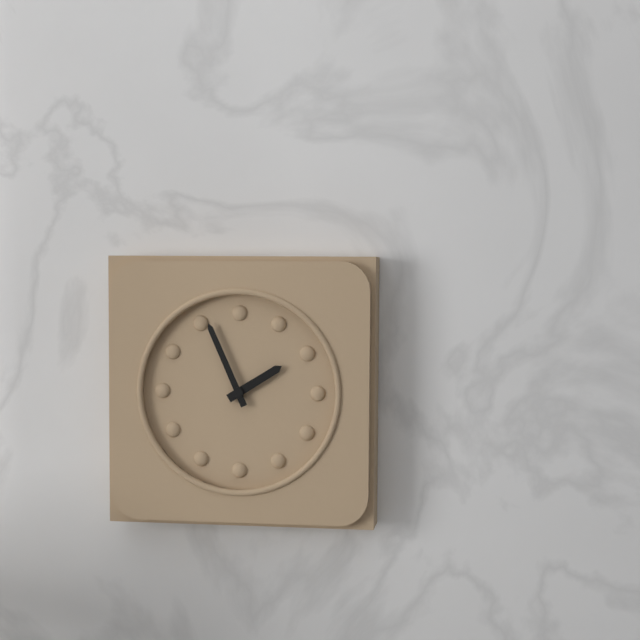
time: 1:56
